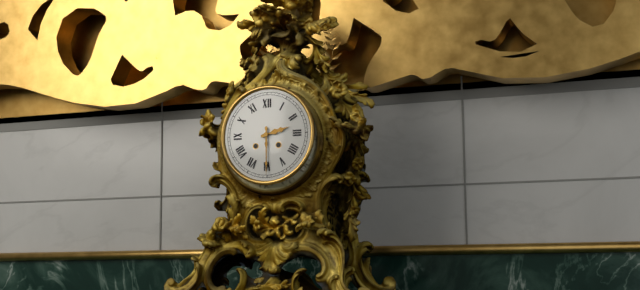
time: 2:30
